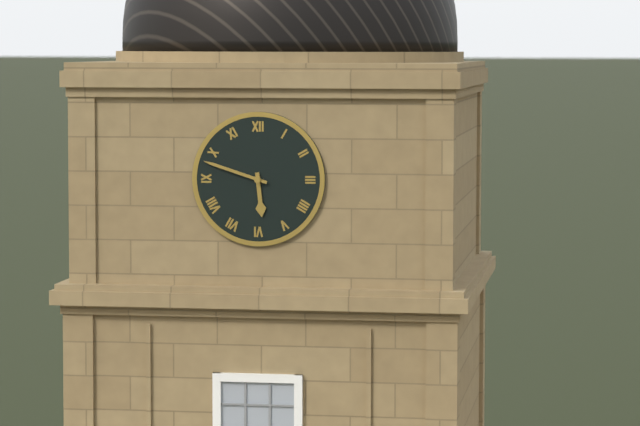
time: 5:48
